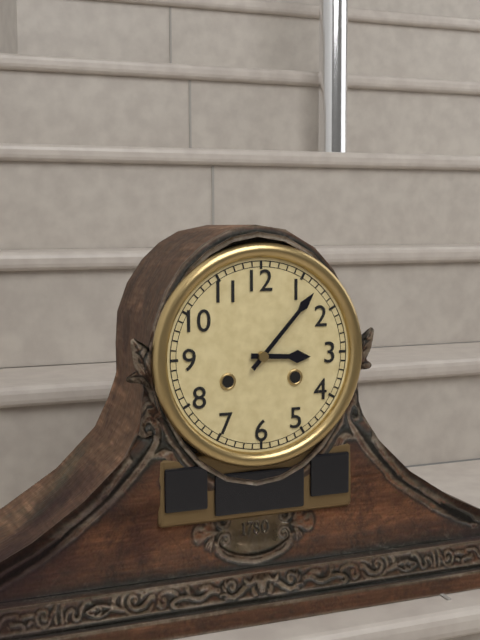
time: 3:07
